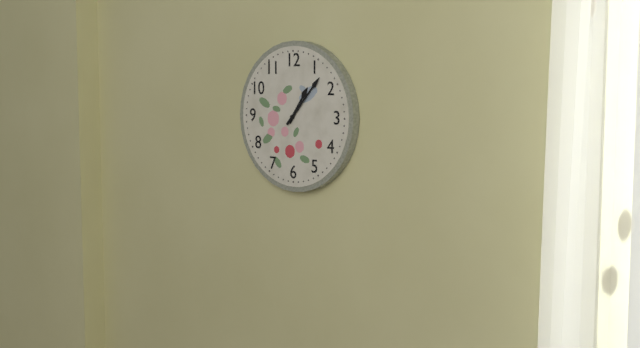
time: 1:07
